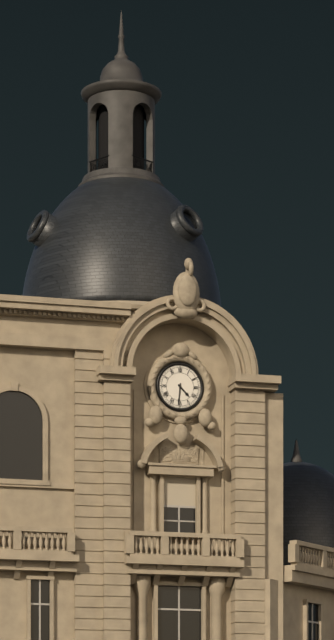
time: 4:31
